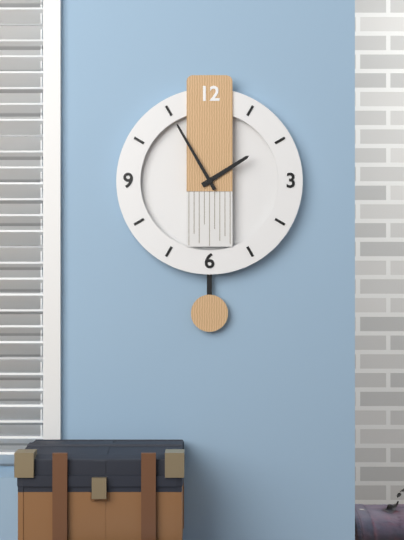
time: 1:55
